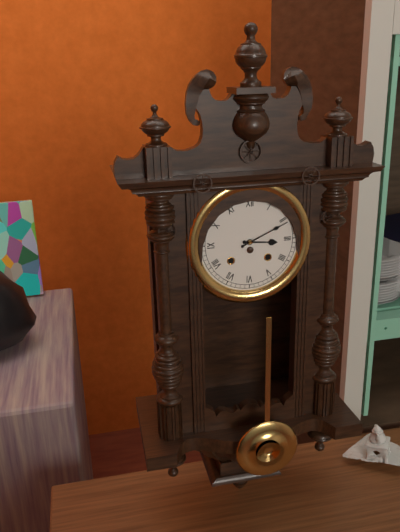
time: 3:11
